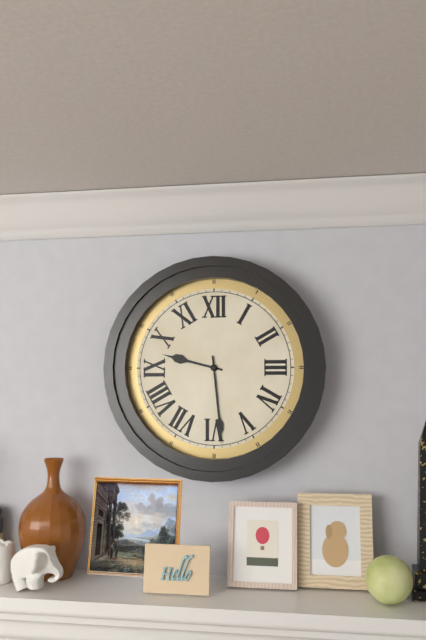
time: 9:29
